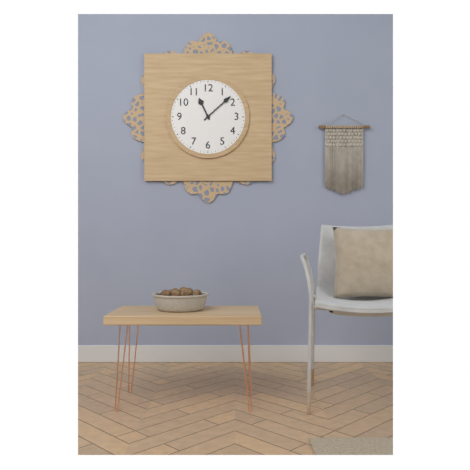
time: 11:08
